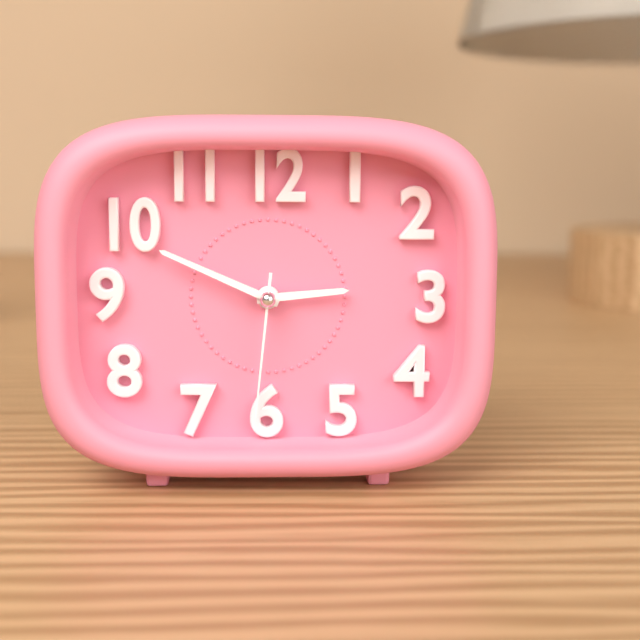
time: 2:49:31
